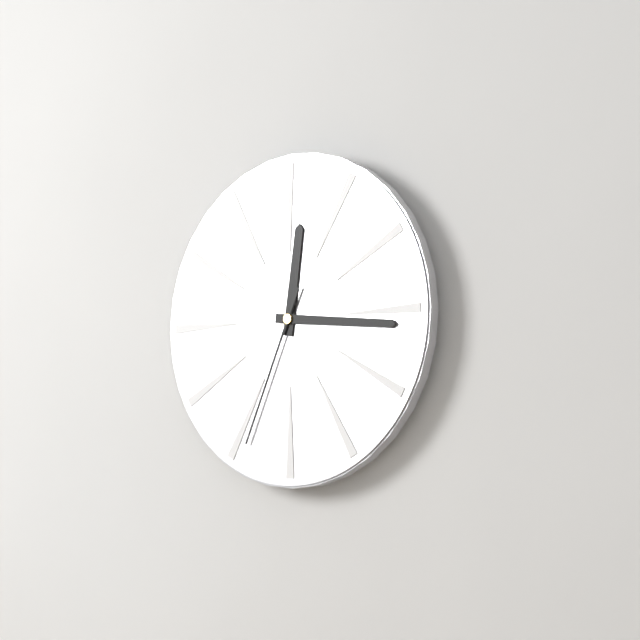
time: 12:16:34
